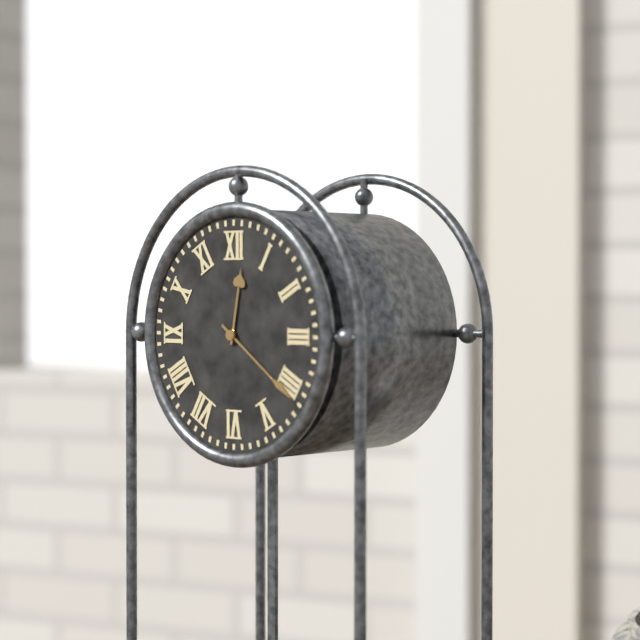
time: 12:21
